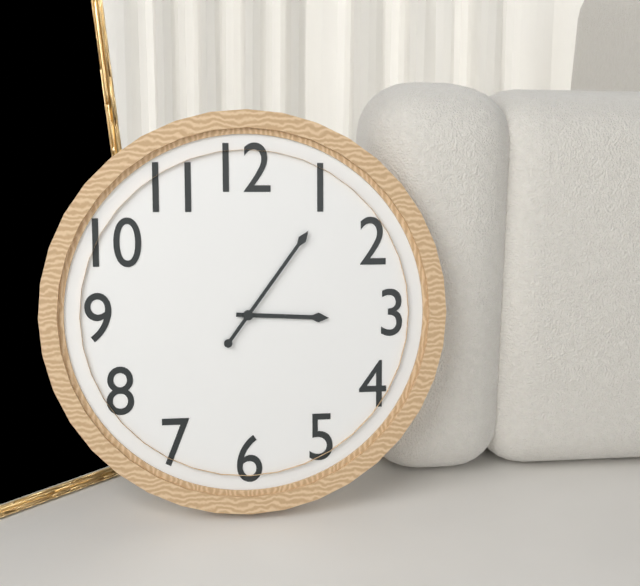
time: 3:06
